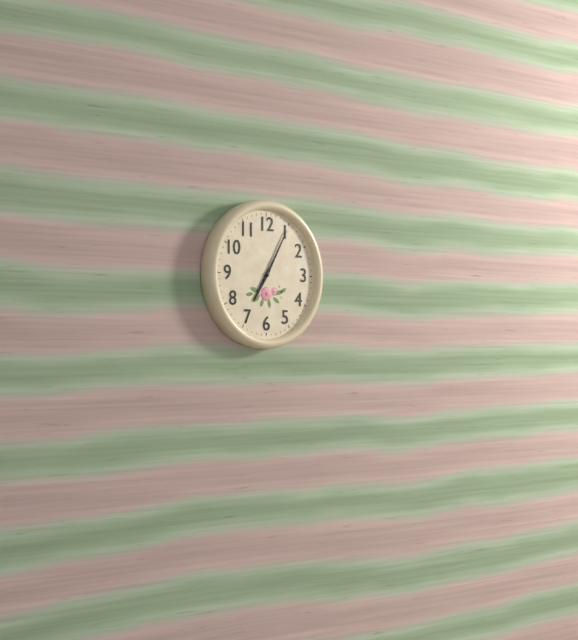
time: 7:05
